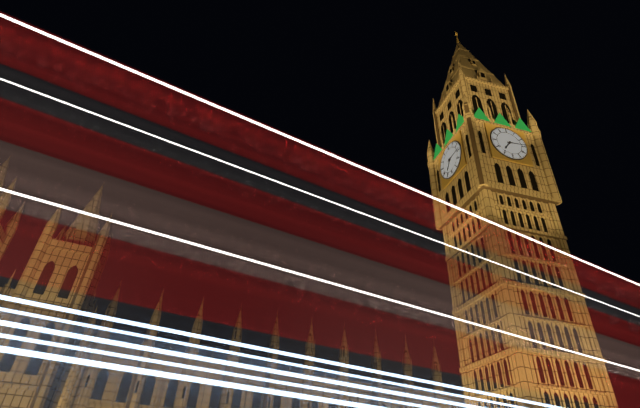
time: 7:14
